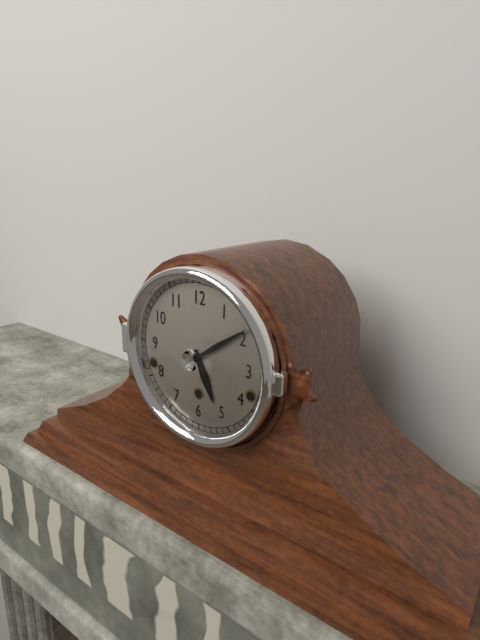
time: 5:09
